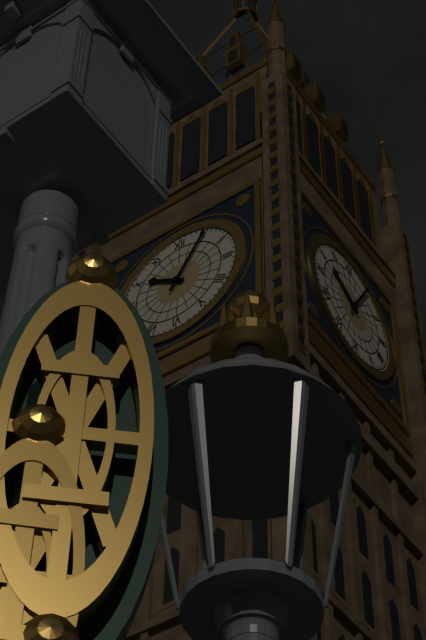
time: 10:05
